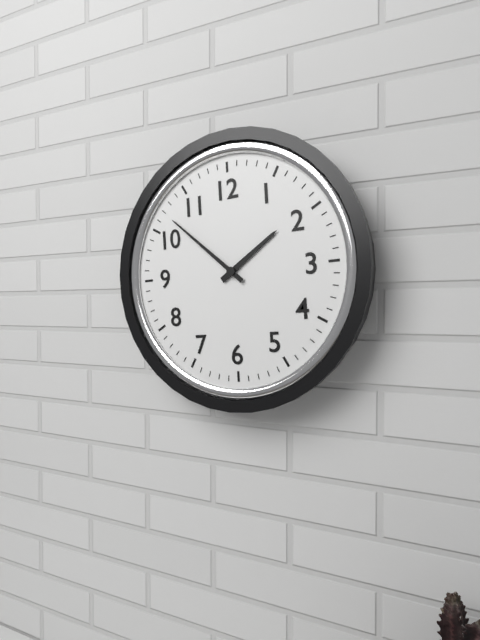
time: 1:52
